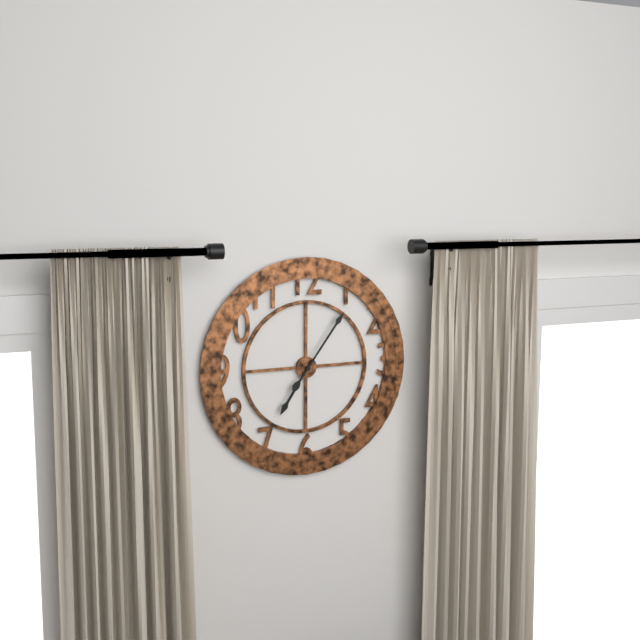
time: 7:06
